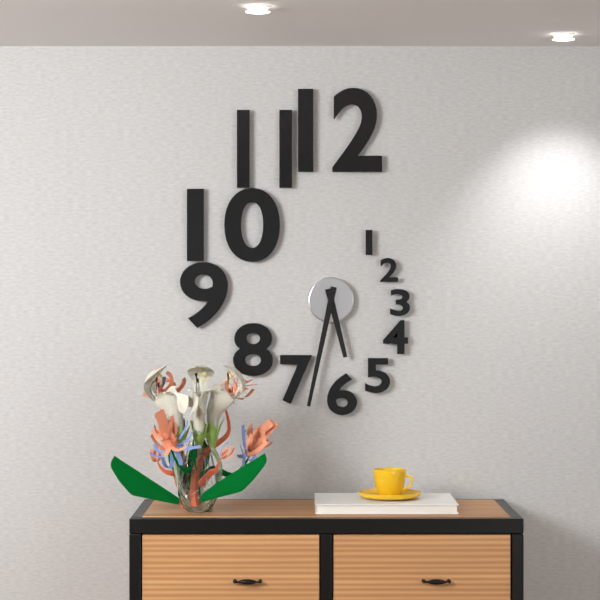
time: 5:32
